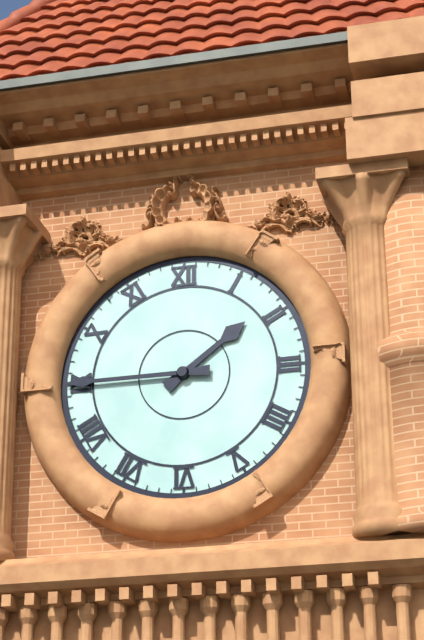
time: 1:45
